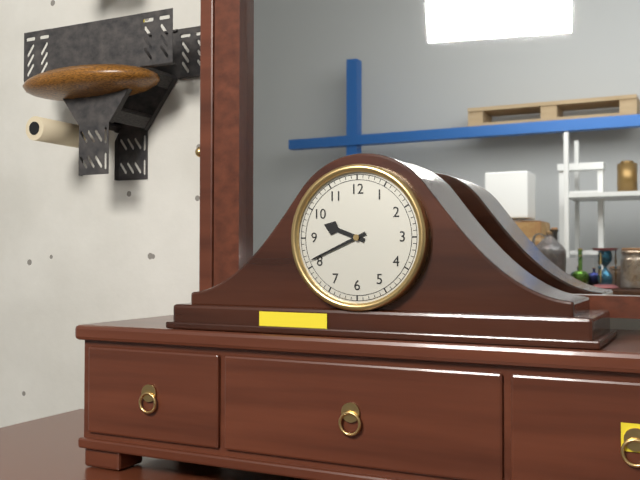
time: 9:41
